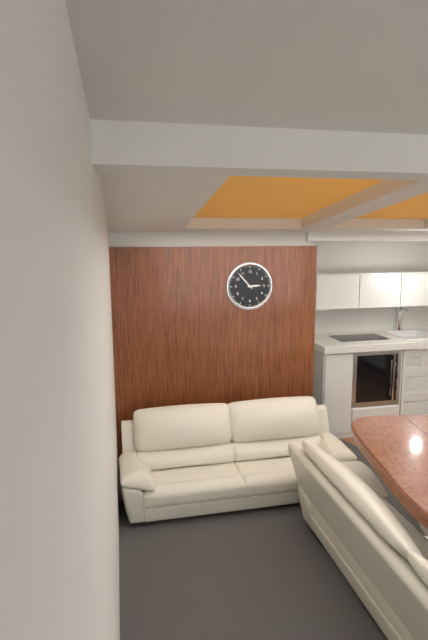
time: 2:53
